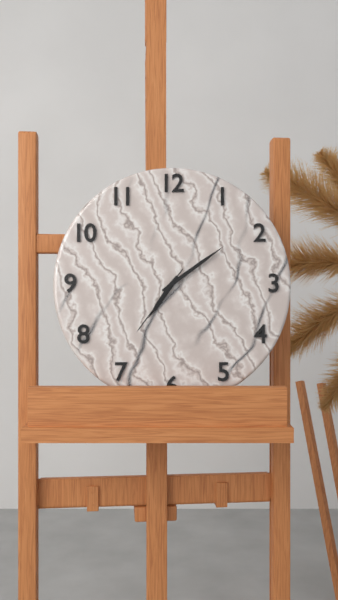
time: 7:09:36
